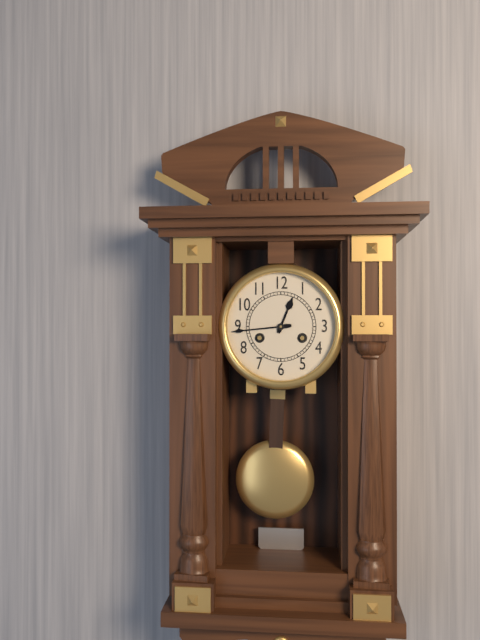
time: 12:44
